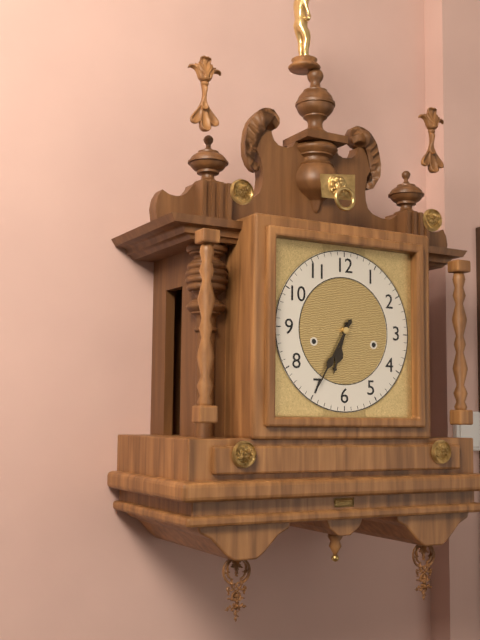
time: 6:35
